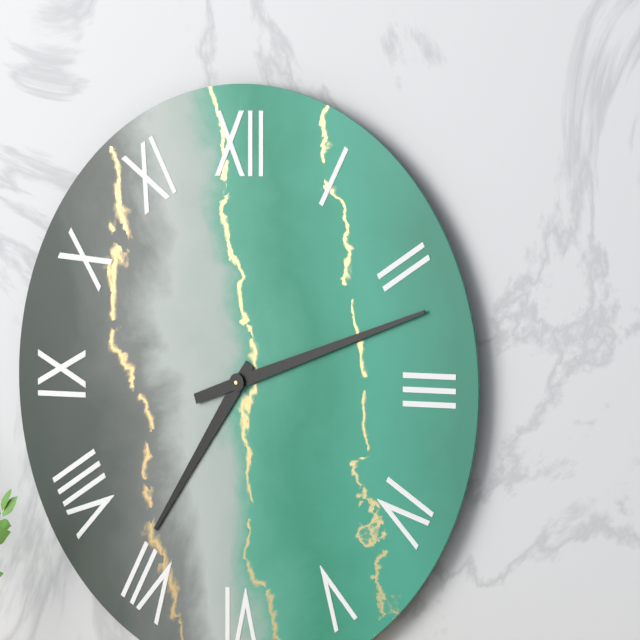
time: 7:12
